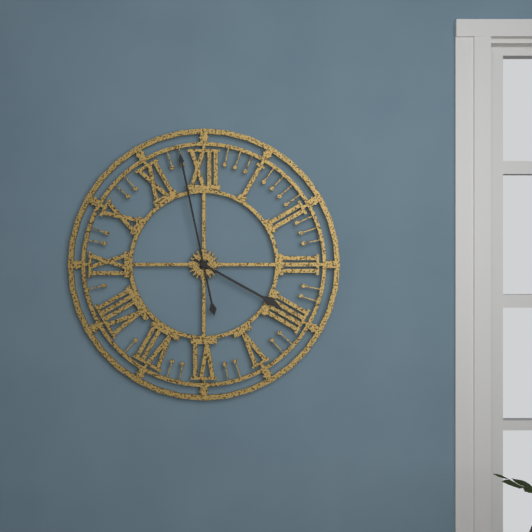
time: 3:58
